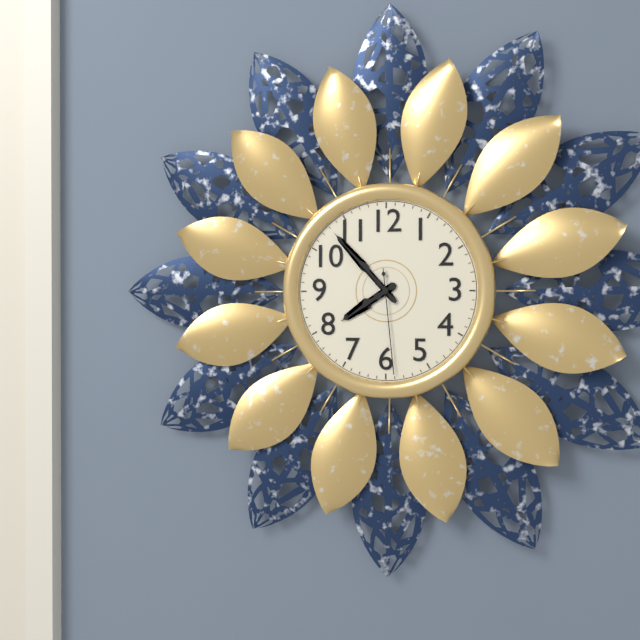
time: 7:53:29
